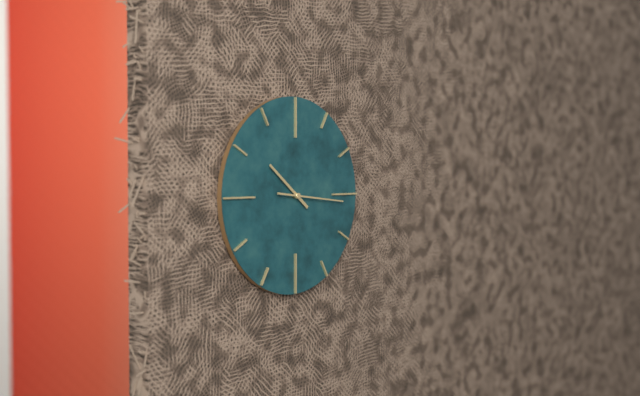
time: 10:16
